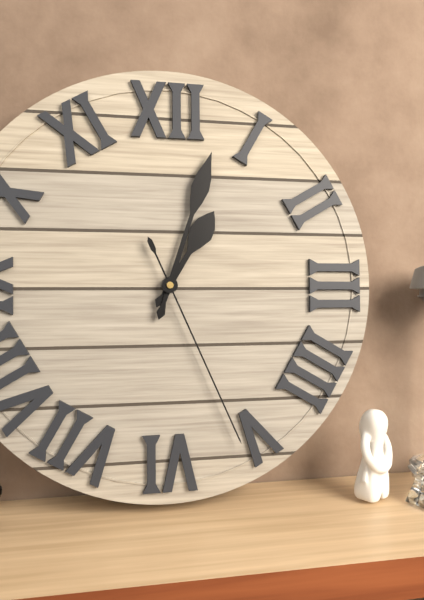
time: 1:03:26
